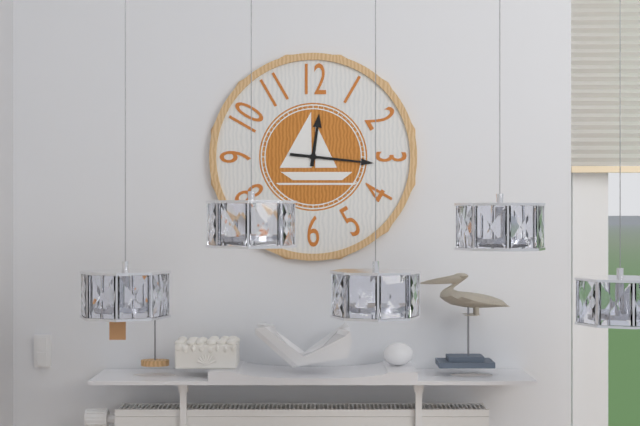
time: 12:16
